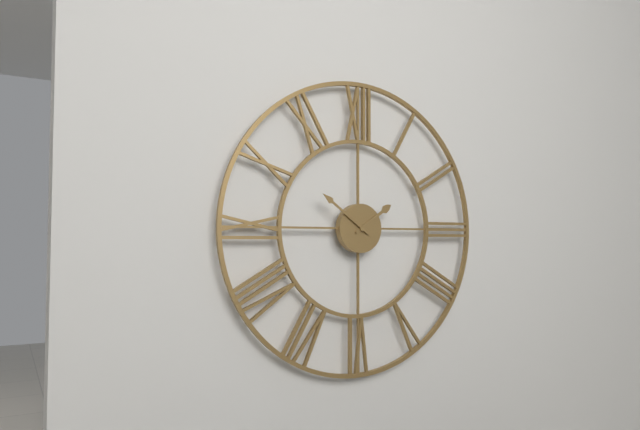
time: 1:51
